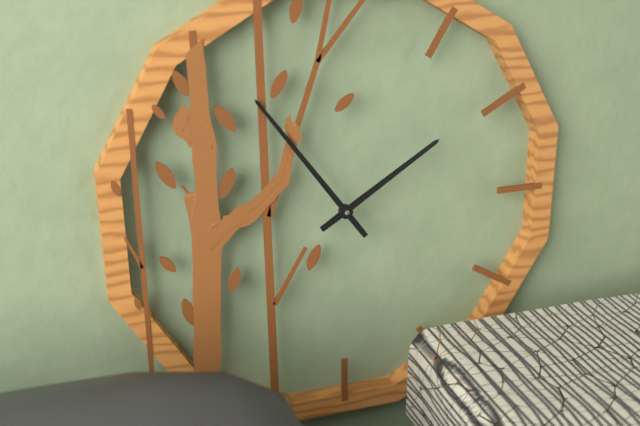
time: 1:54
